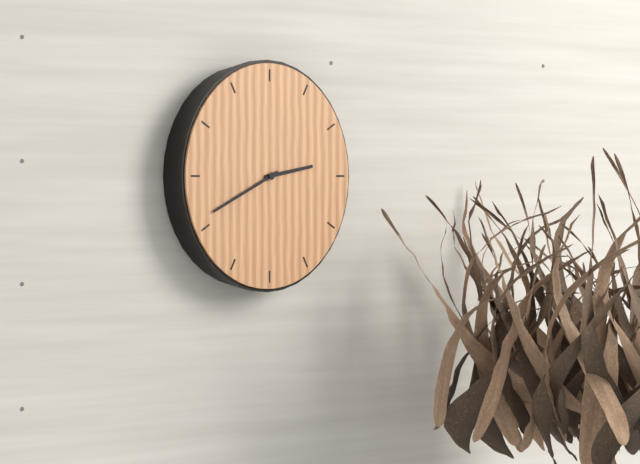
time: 2:41
